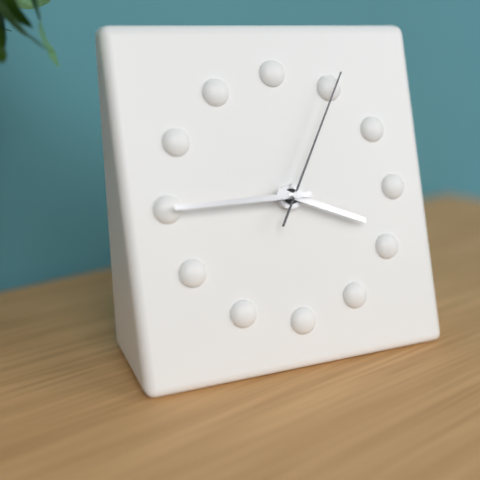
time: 3:45:05
